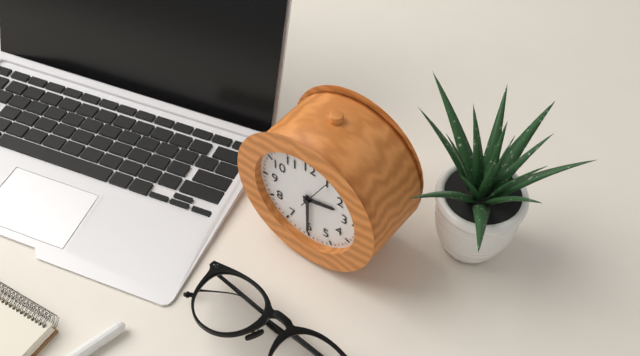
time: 2:30
